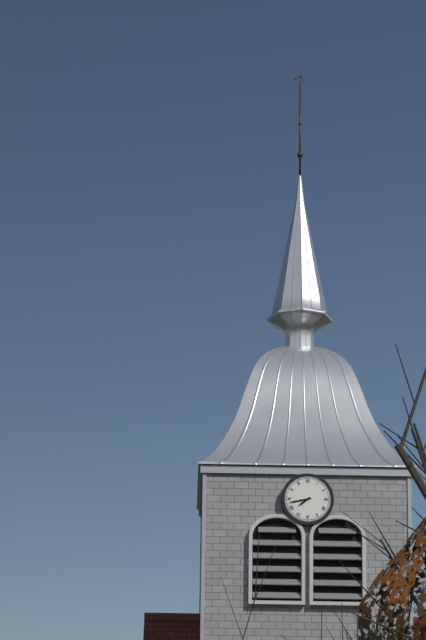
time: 7:43
